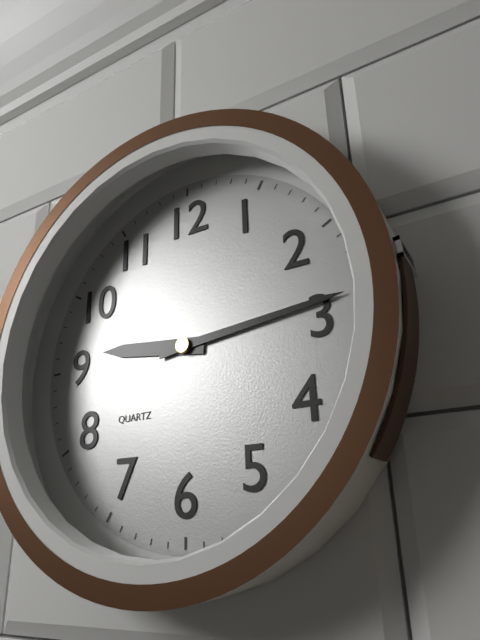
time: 9:14
